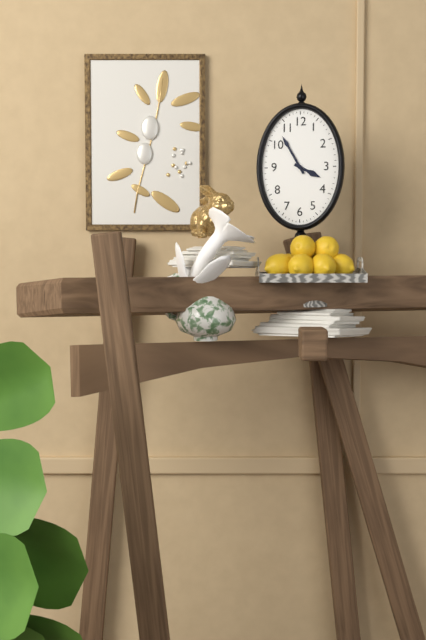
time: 3:55
